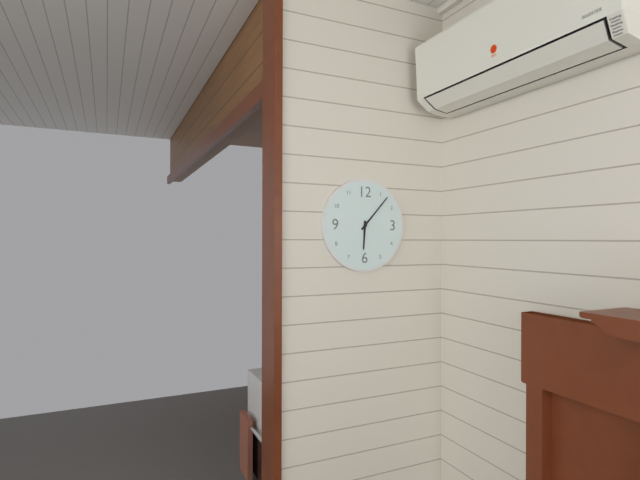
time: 6:07
